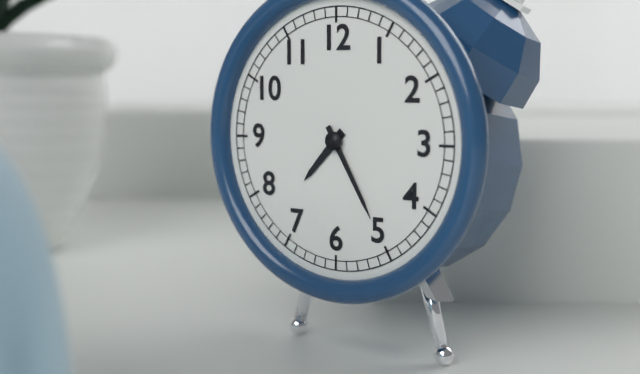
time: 7:25
